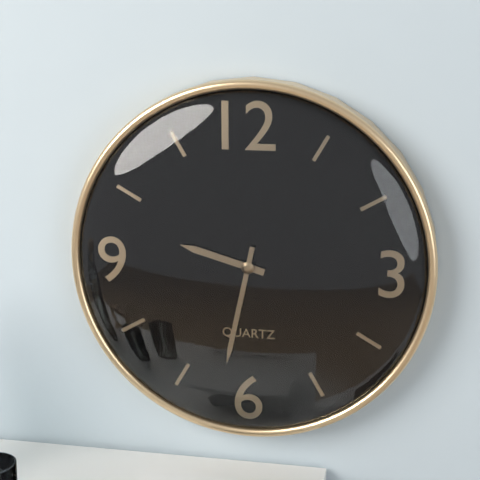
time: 9:32
